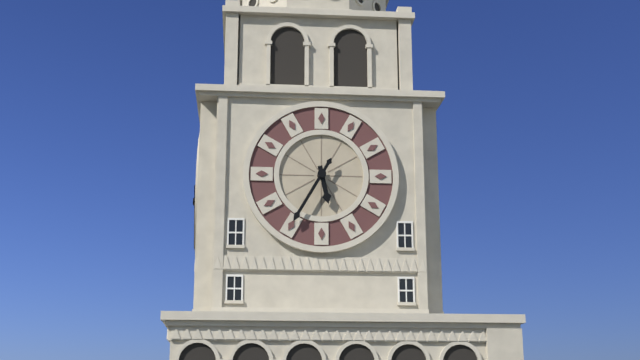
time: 5:35
